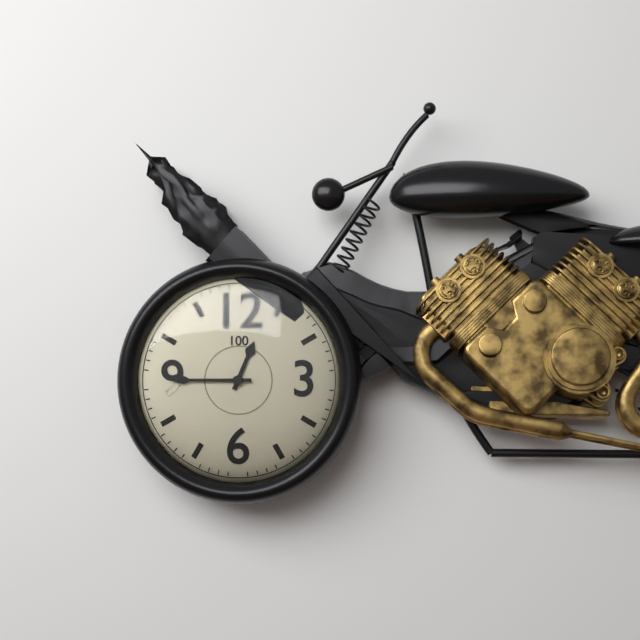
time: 12:45
